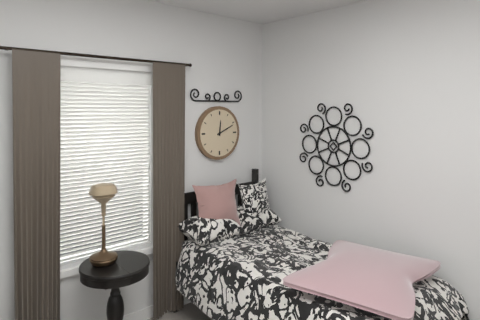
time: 12:11
